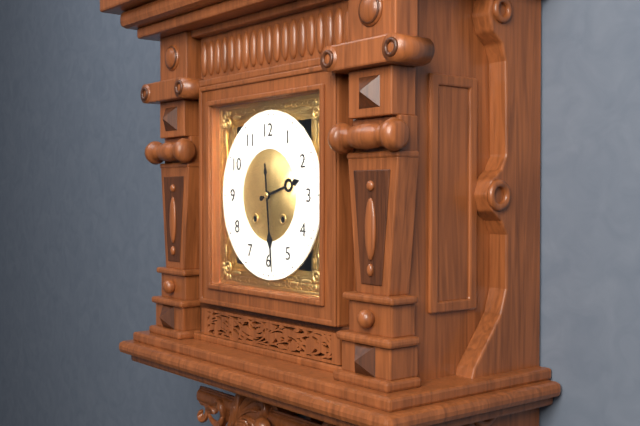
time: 2:29
